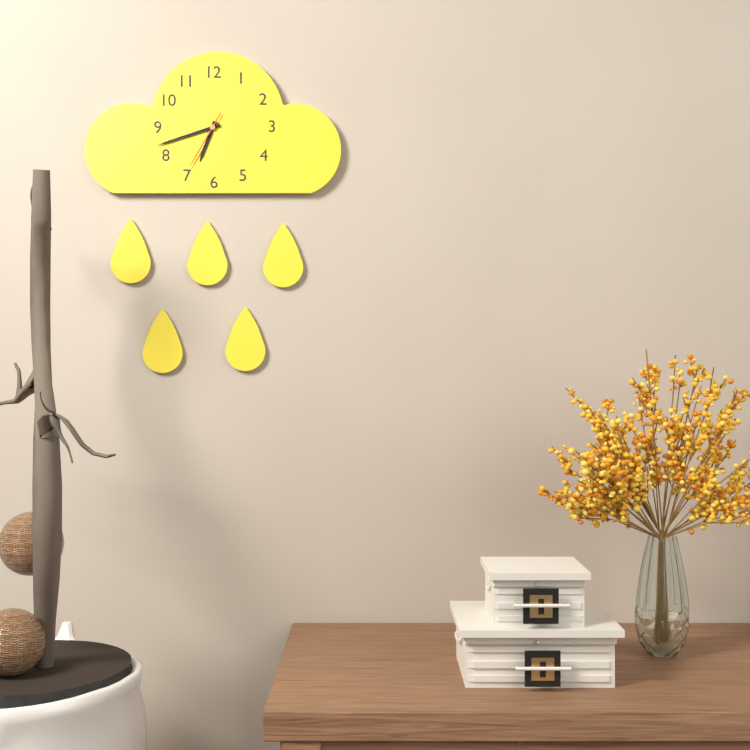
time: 6:42:35
